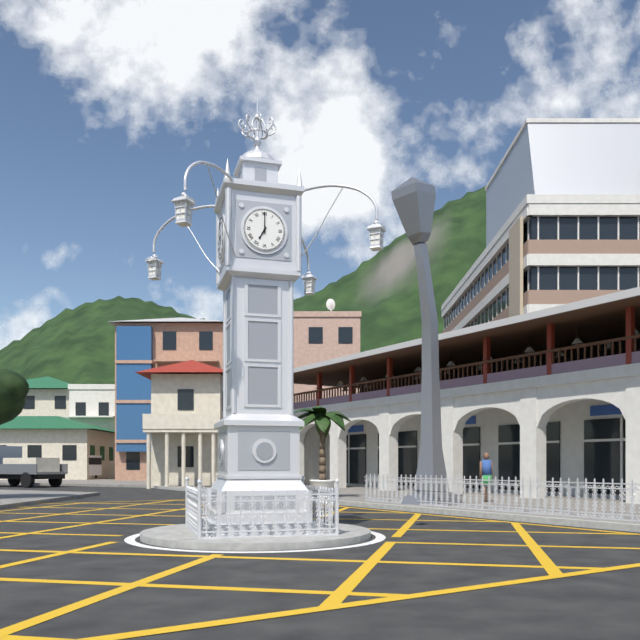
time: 7:00
